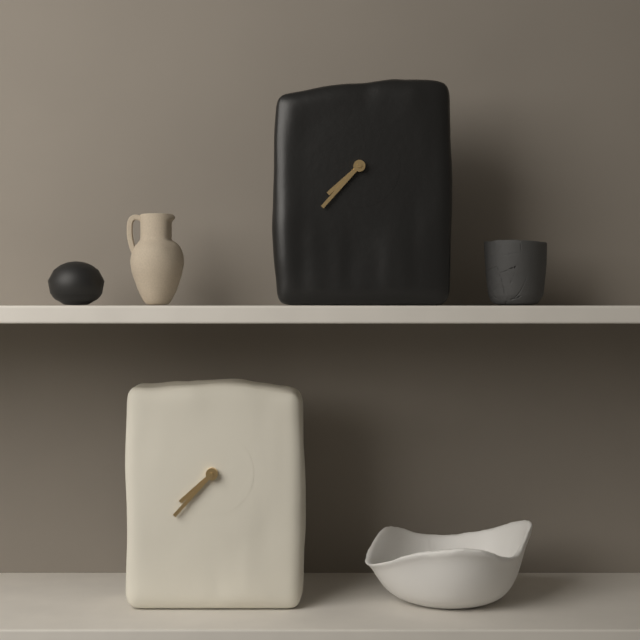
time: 7:37
